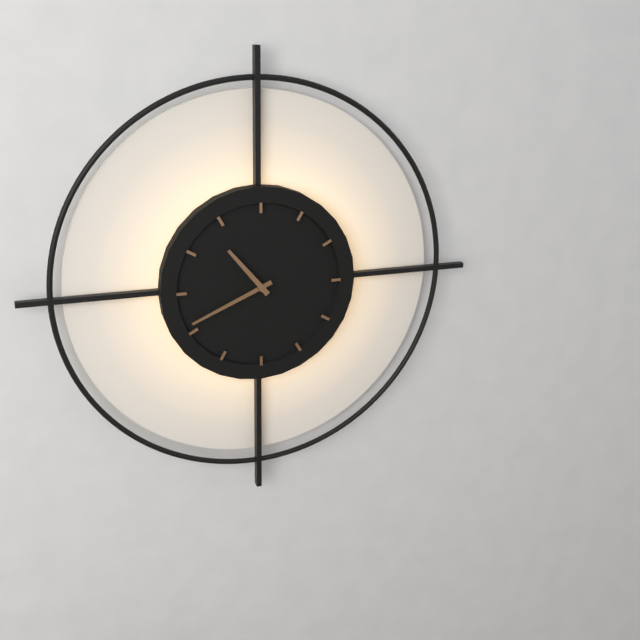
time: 10:41
